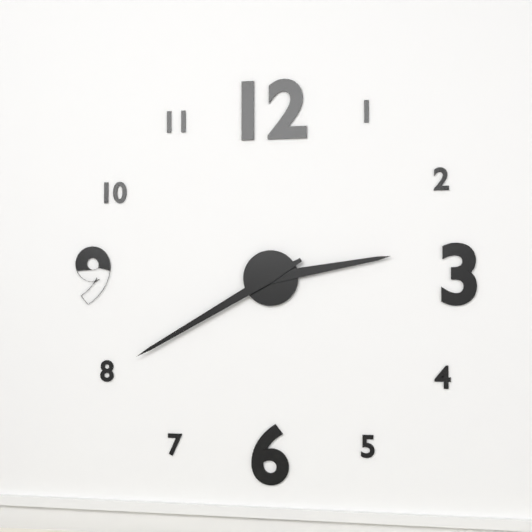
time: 2:40
